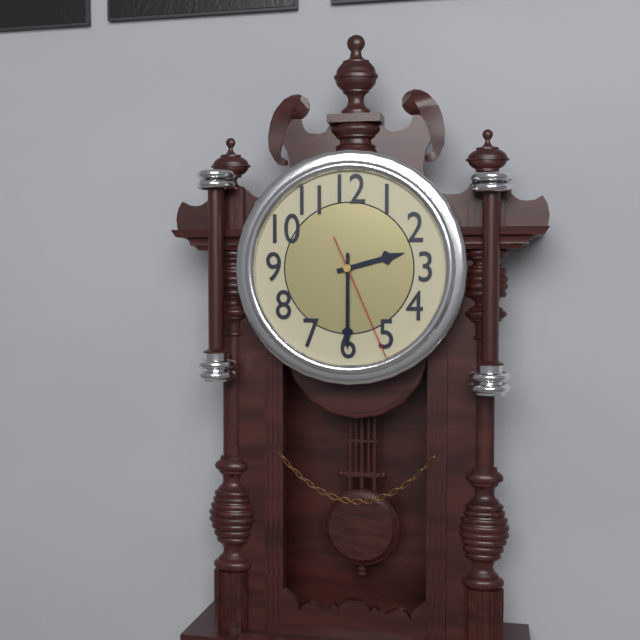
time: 2:30:26
